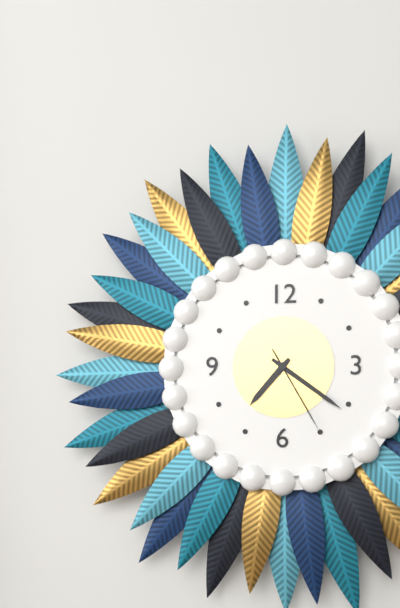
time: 7:21:25
